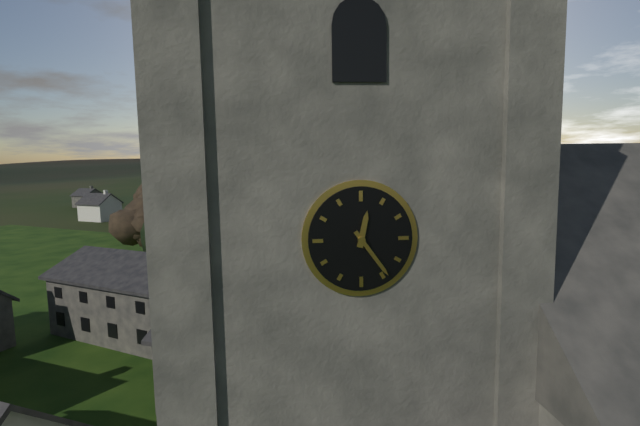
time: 12:24
